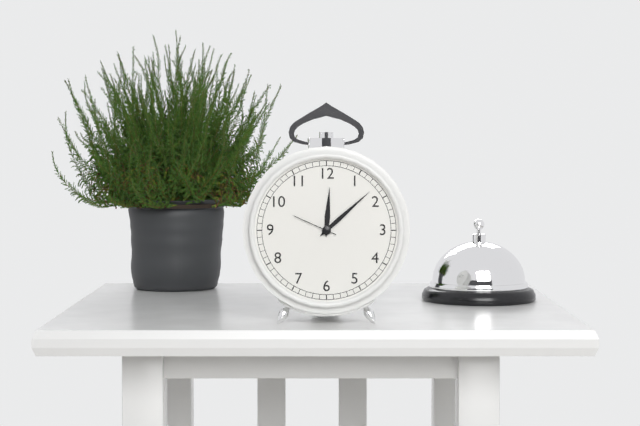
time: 12:08
